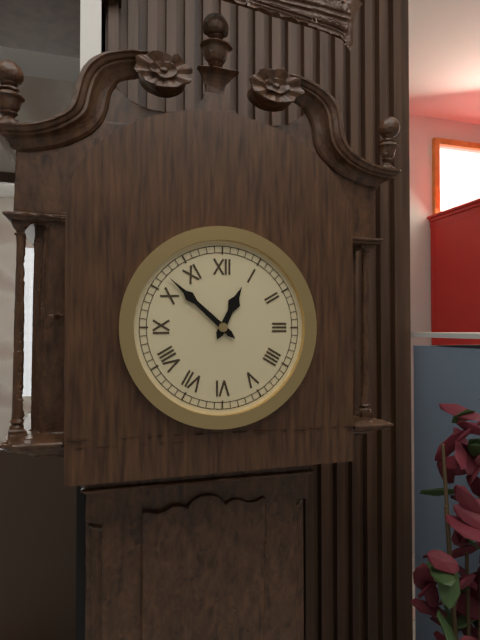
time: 12:52
